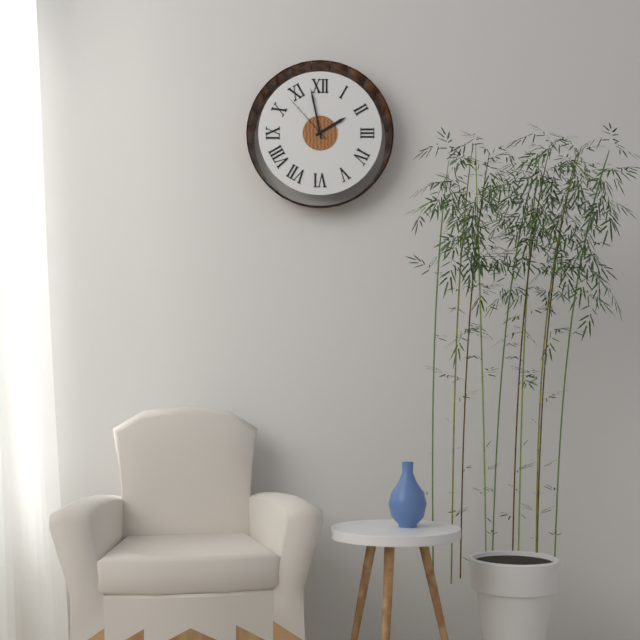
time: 1:58:53
